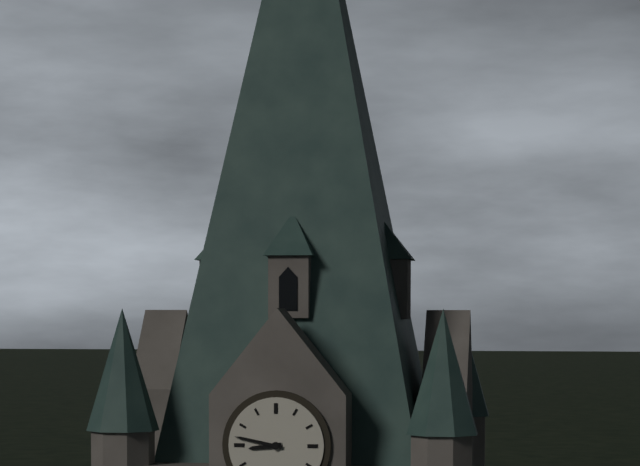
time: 8:47
